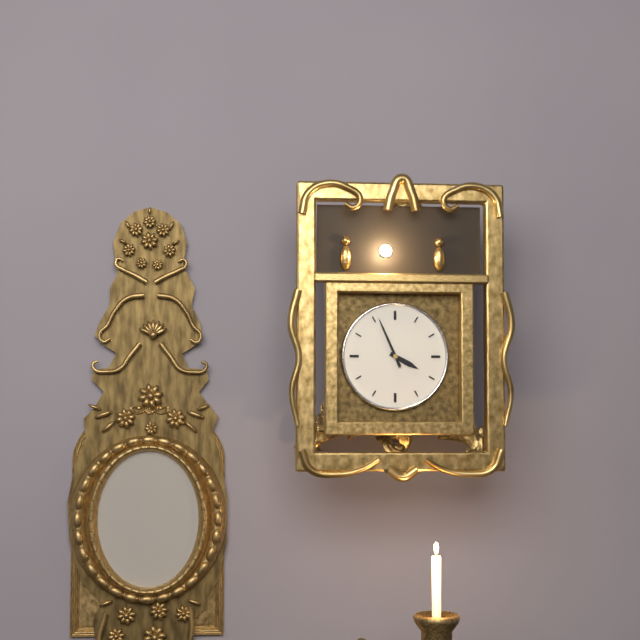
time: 3:56
